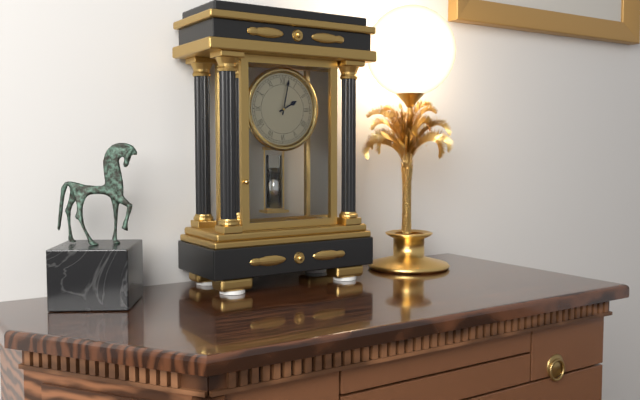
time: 2:02
